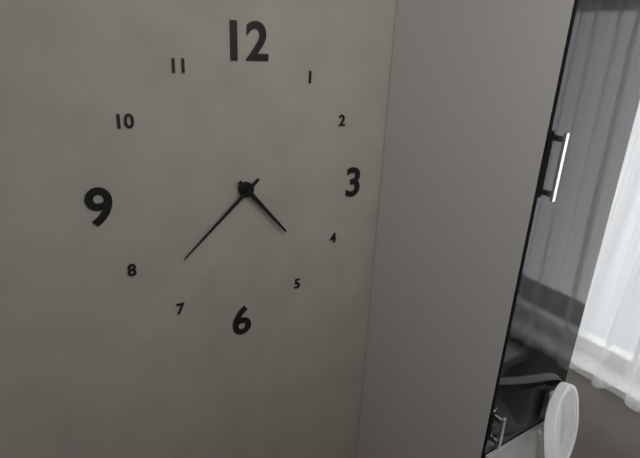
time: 4:38
